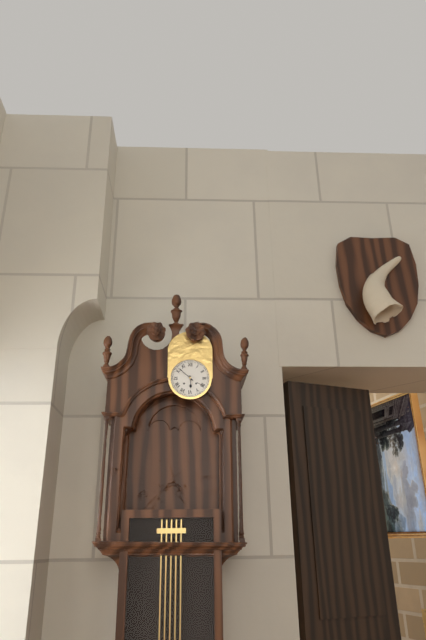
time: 5:52
